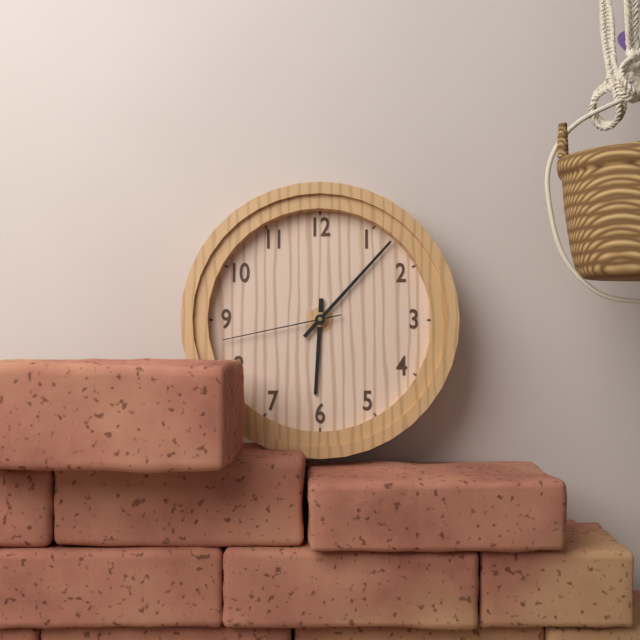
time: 6:07:43
